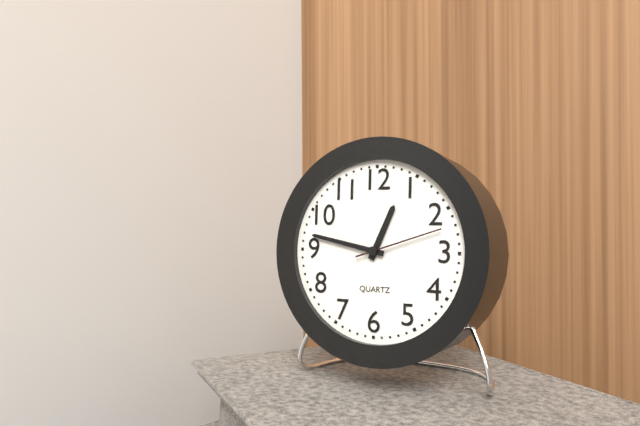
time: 12:47:12
